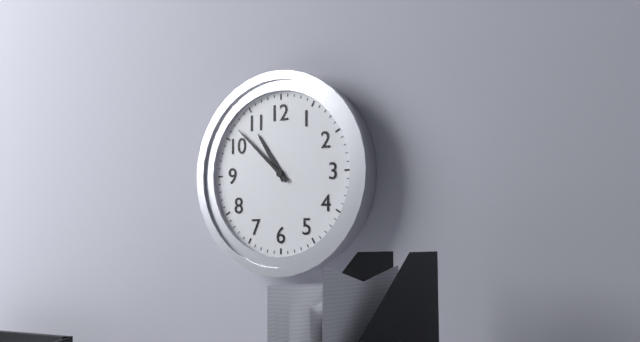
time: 10:52
